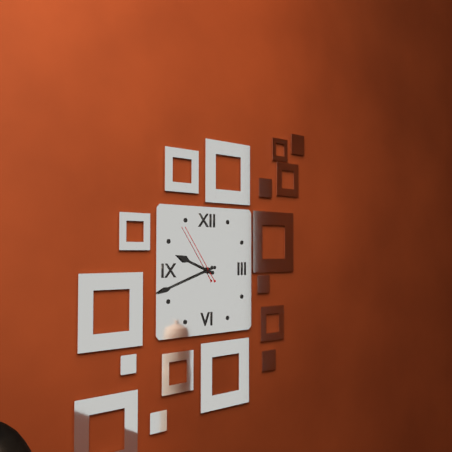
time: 9:42:54
